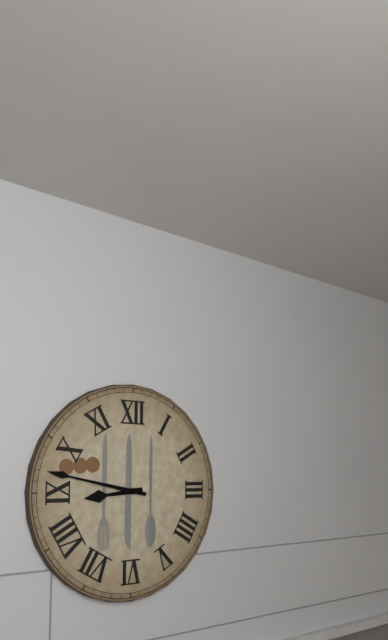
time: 8:47
